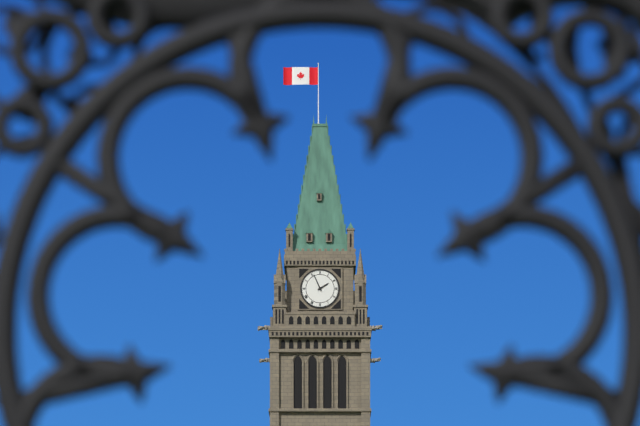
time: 1:56
